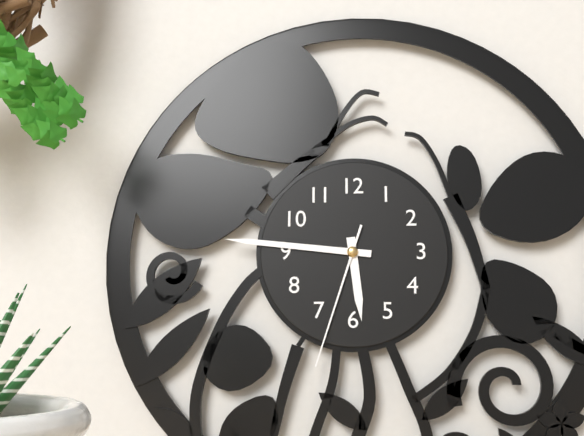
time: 5:46:33
